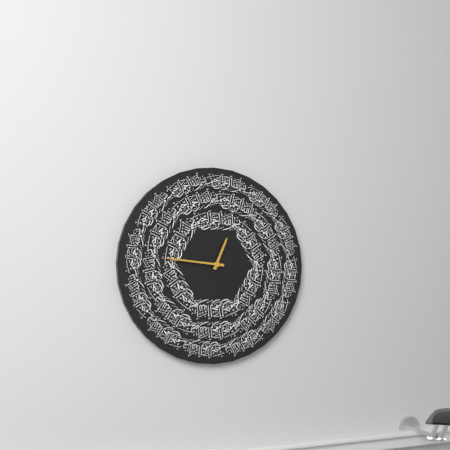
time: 12:46
